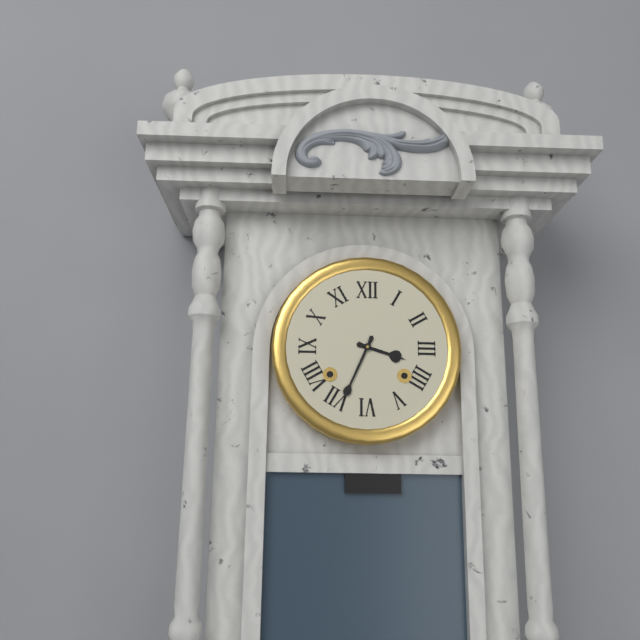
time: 3:34
